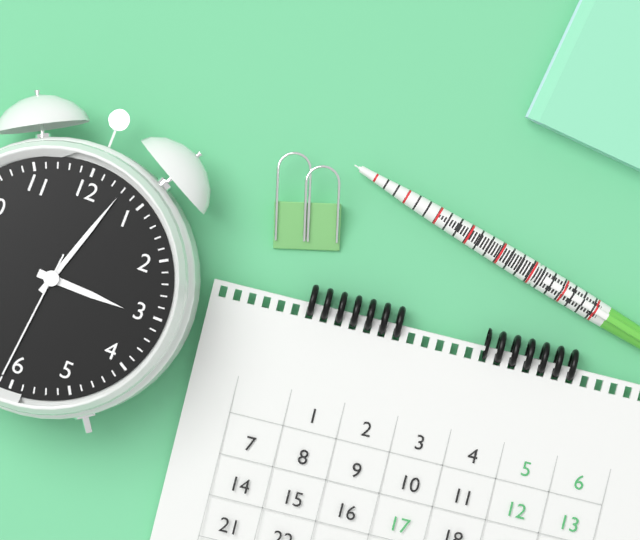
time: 3:03:31
